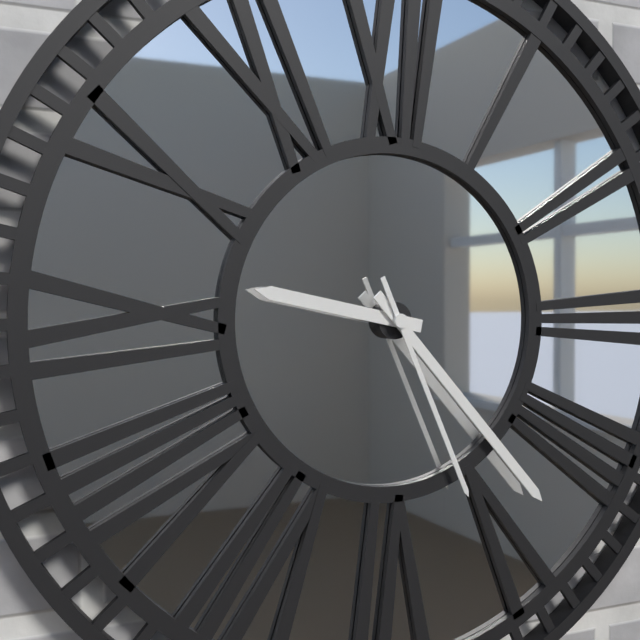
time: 9:23:26
